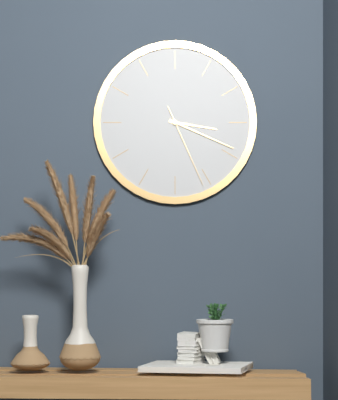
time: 3:19:26
